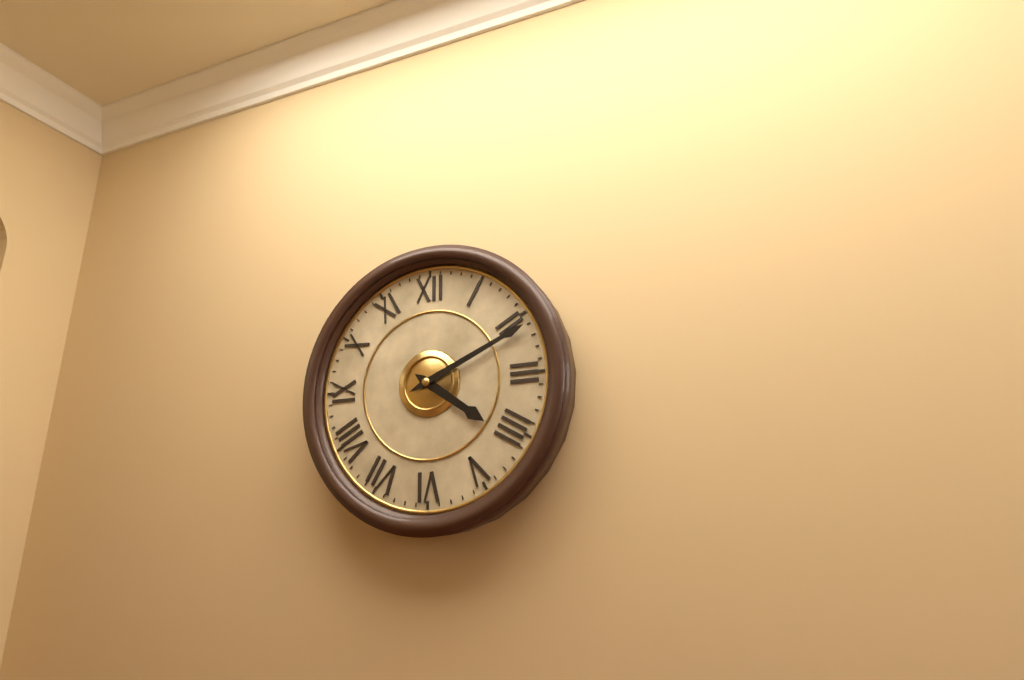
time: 4:11
